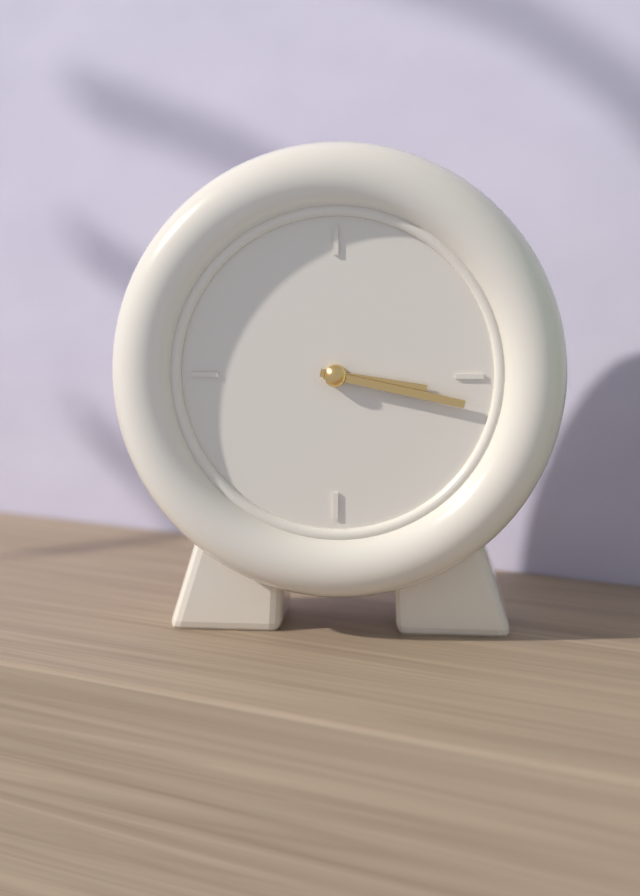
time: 3:17
